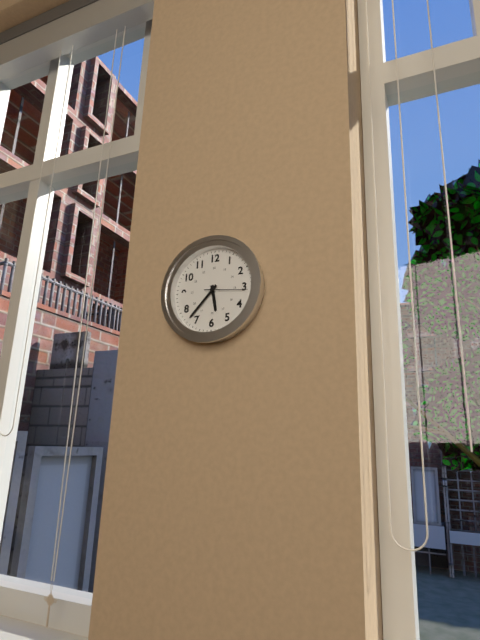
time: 5:37
